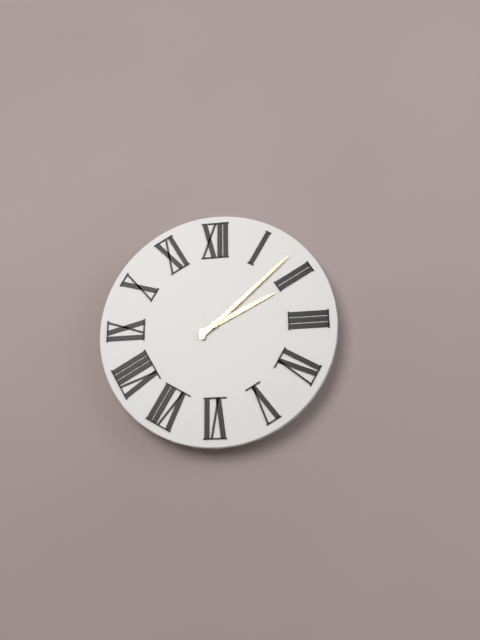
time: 2:08
